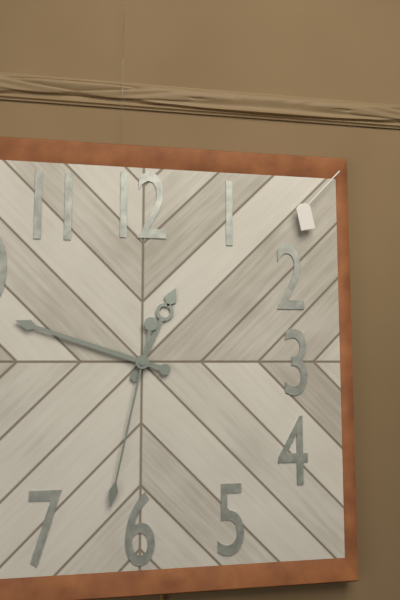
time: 12:48:32
